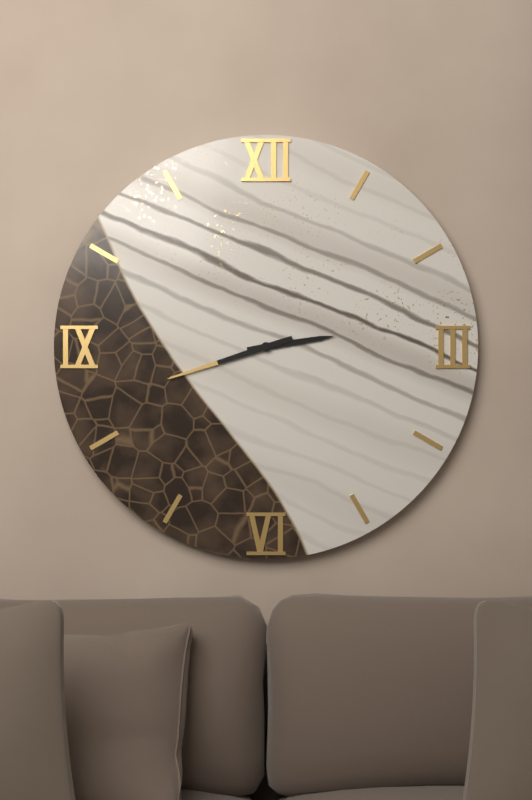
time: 2:42
